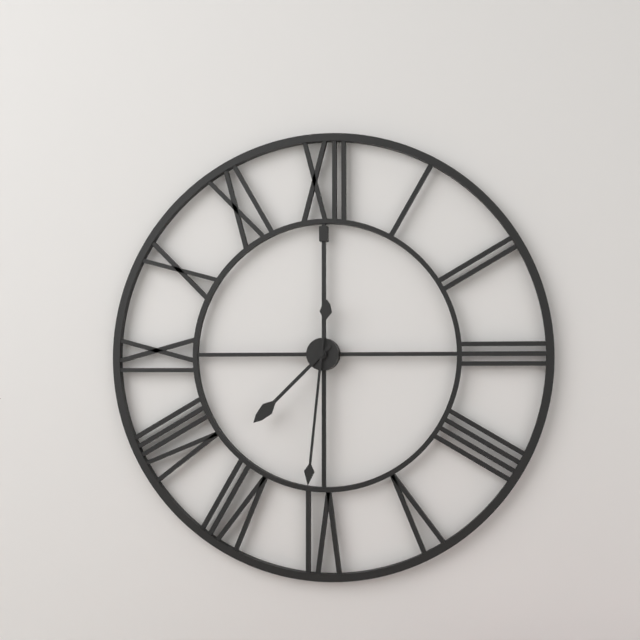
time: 7:31
